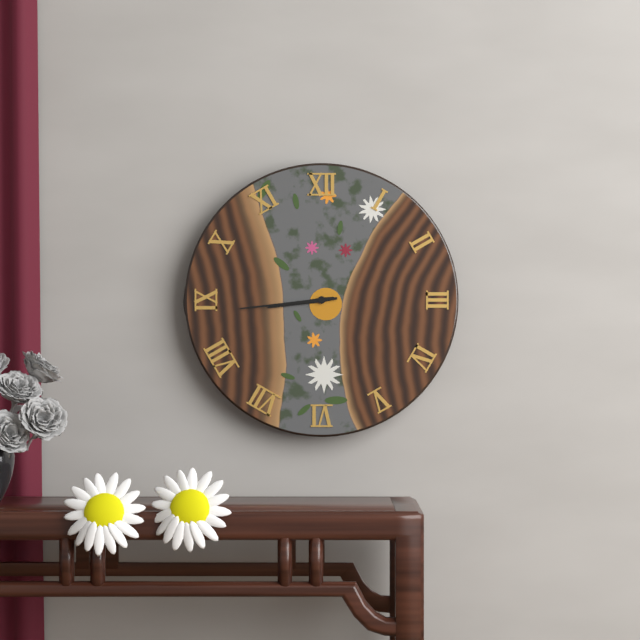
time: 8:44
